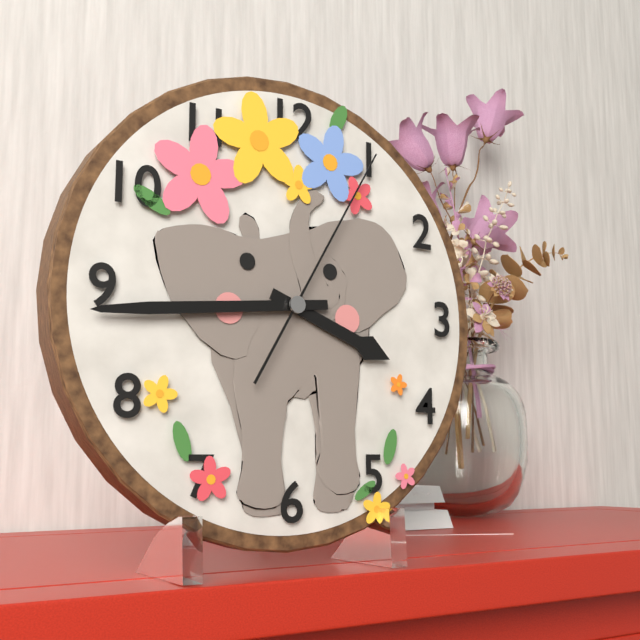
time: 3:44:05
